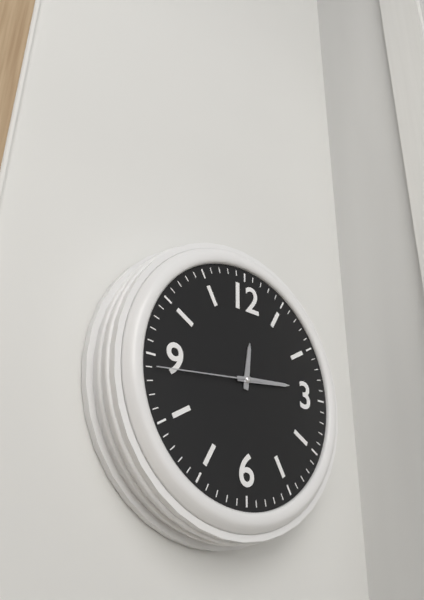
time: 12:14:44
